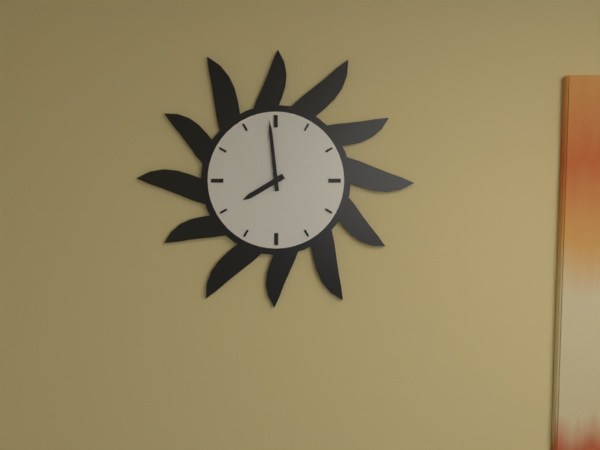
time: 7:59
